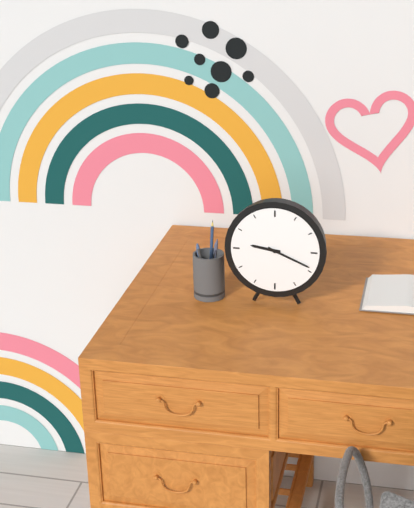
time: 9:19
